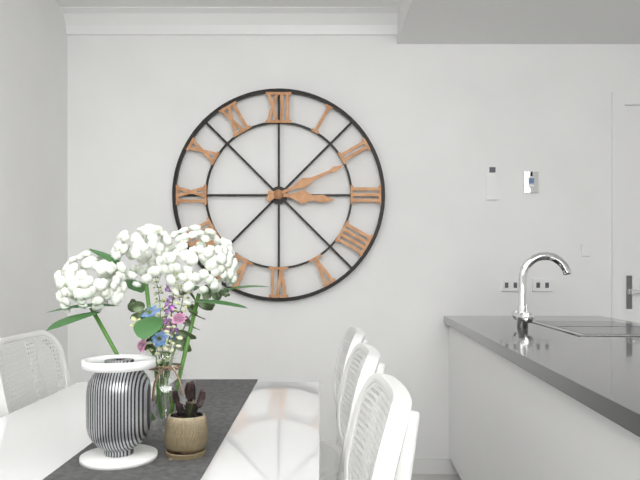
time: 3:11
